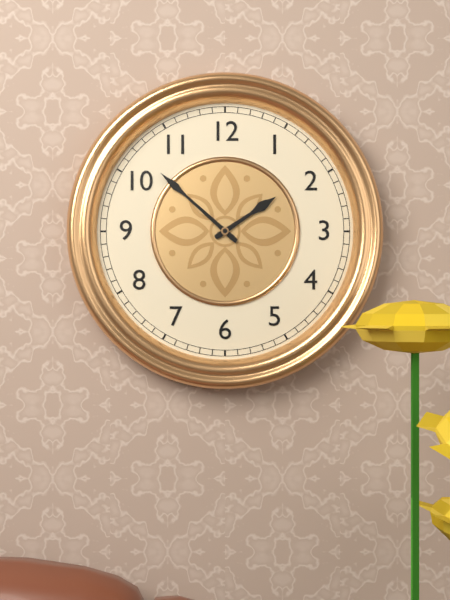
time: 1:52
